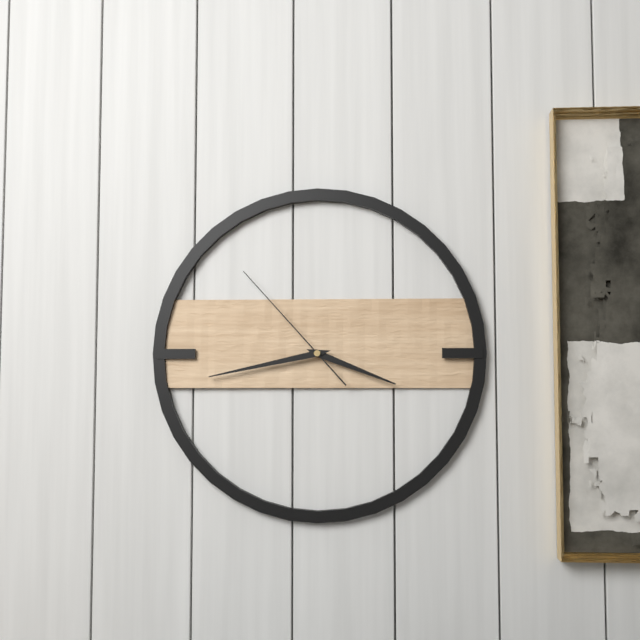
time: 3:43:53
